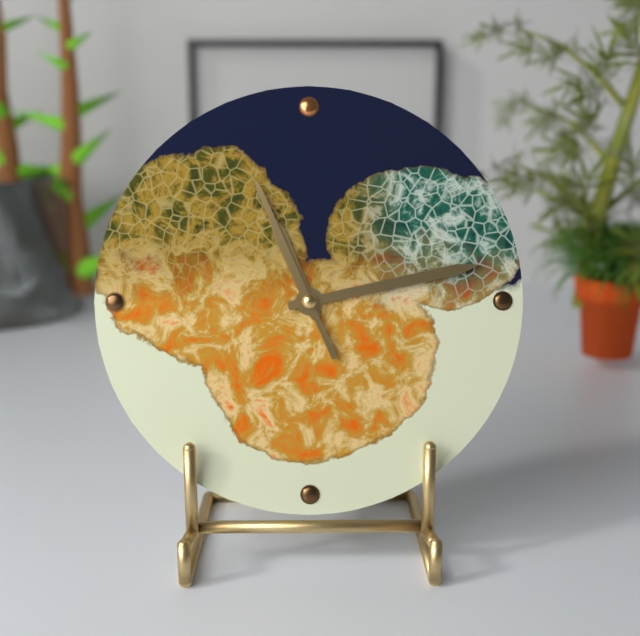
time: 11:13:56
